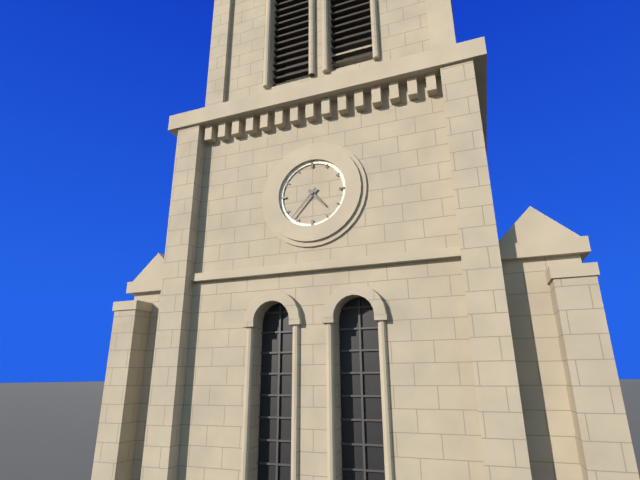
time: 4:37
